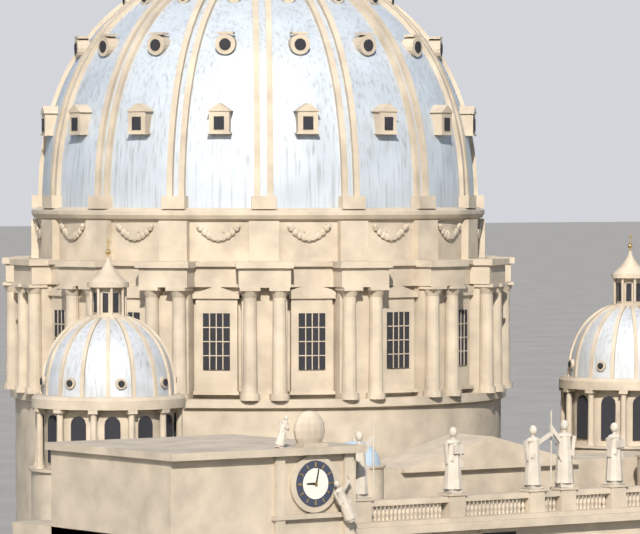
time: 9:02
